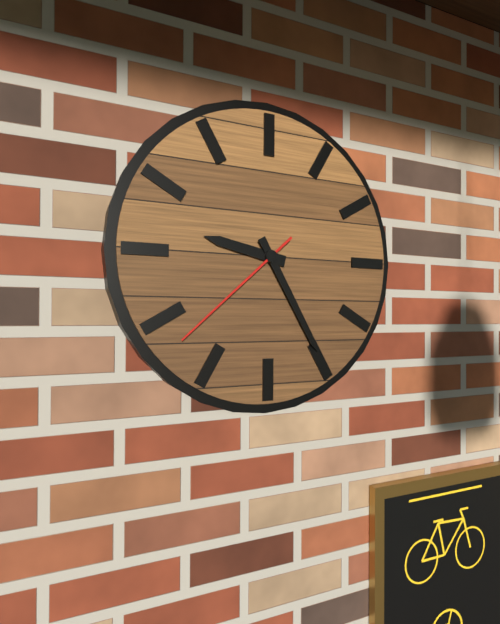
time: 9:25:38
